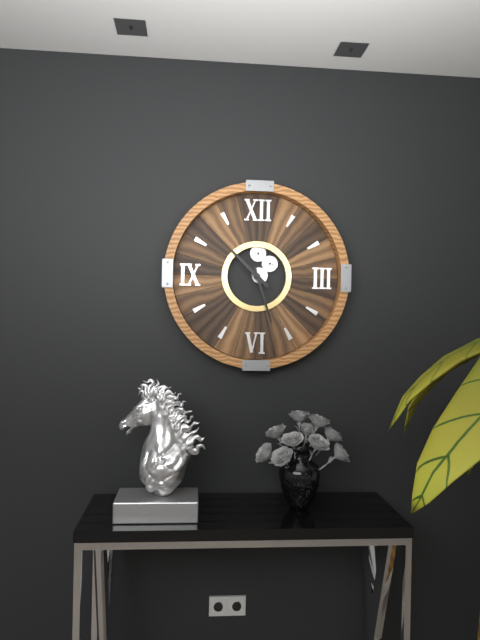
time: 10:27
